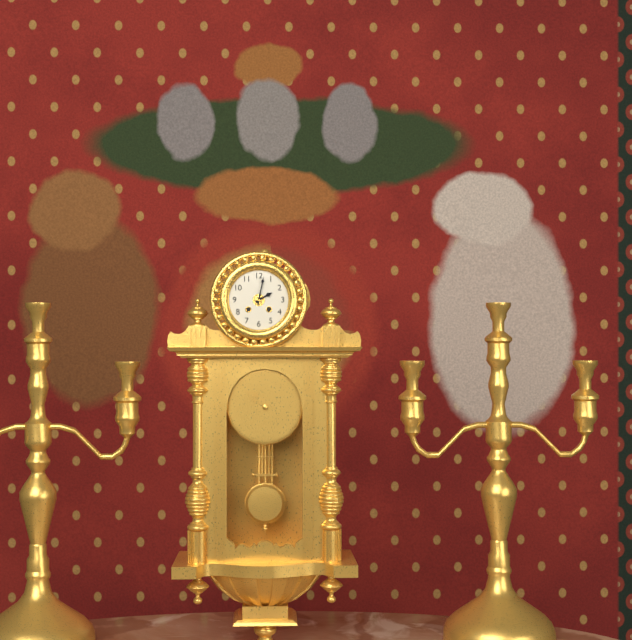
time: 2:02
